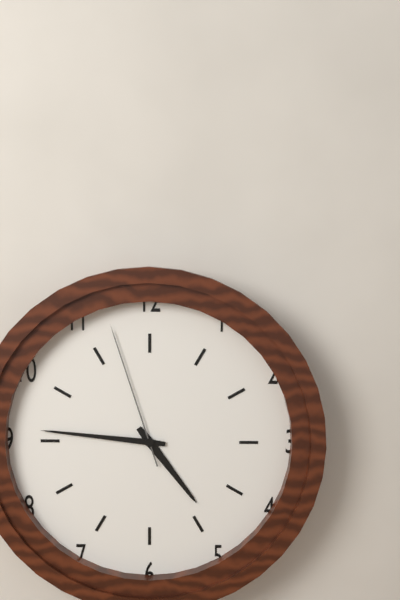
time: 4:46:57
